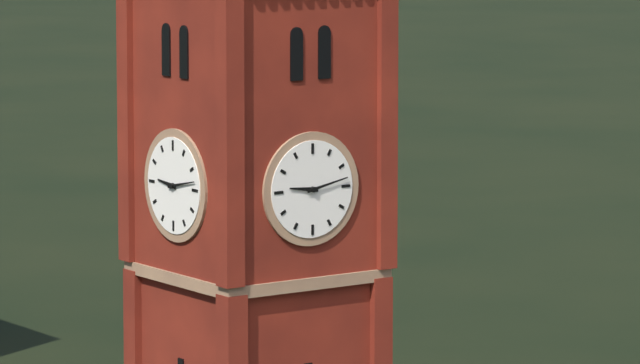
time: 9:13
